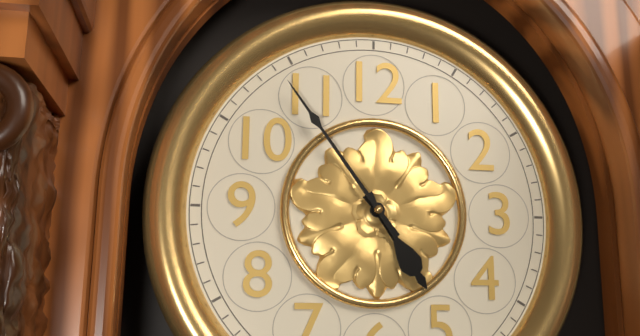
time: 4:54
